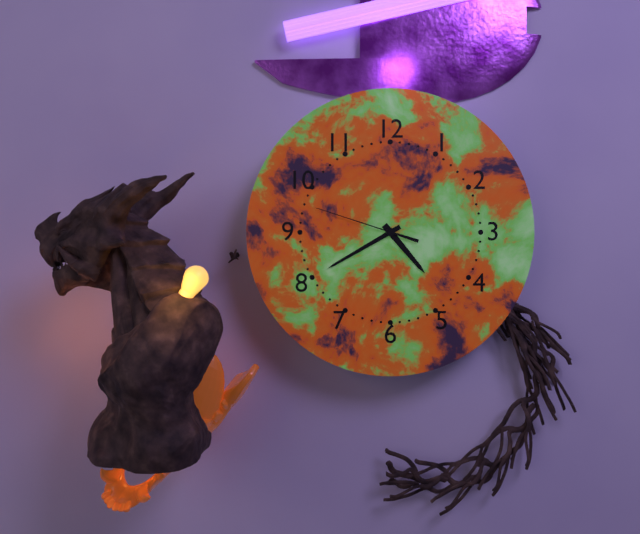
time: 4:40:48
